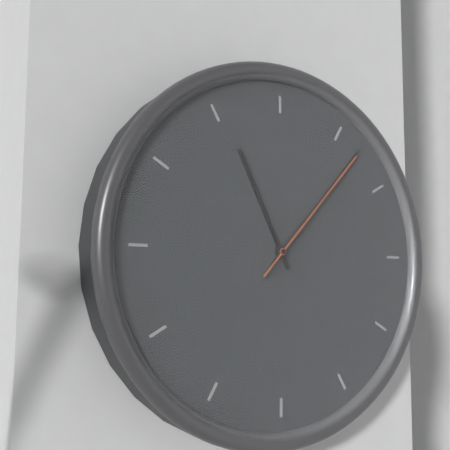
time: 11:07:07
